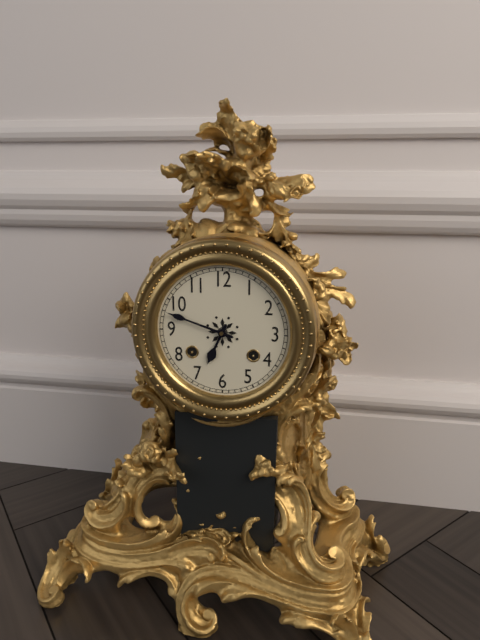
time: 6:48
